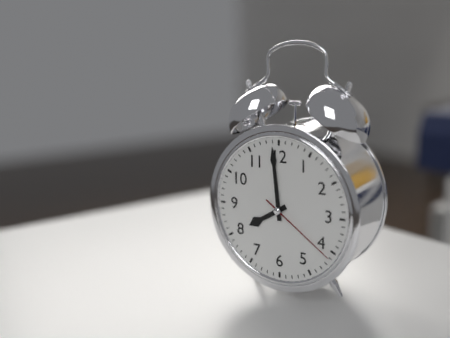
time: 7:59:21
